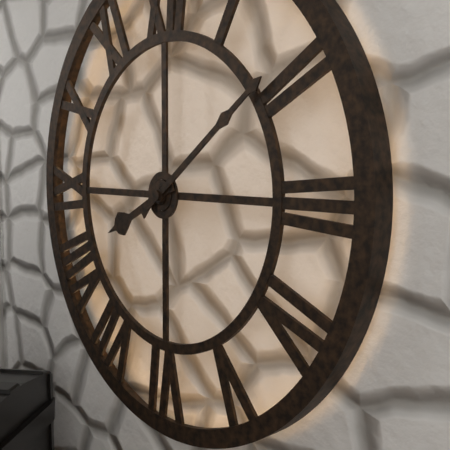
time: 8:09
